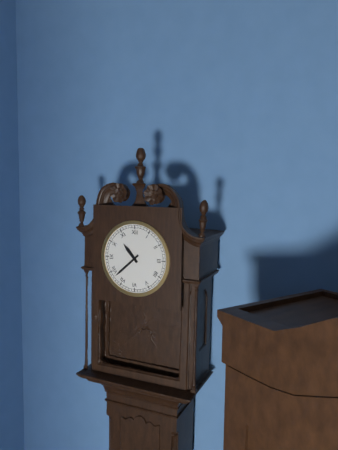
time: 10:38
